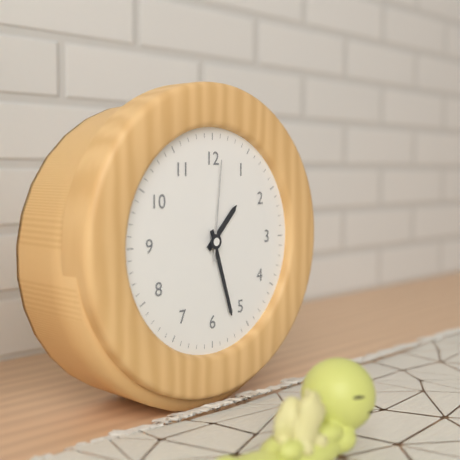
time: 1:27:01
